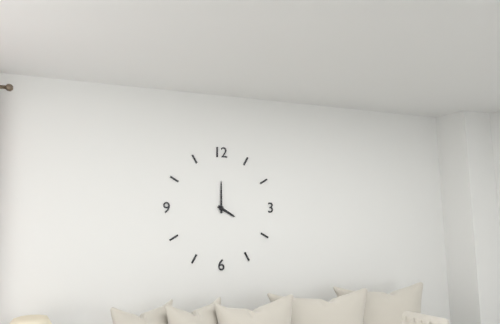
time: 4:00
